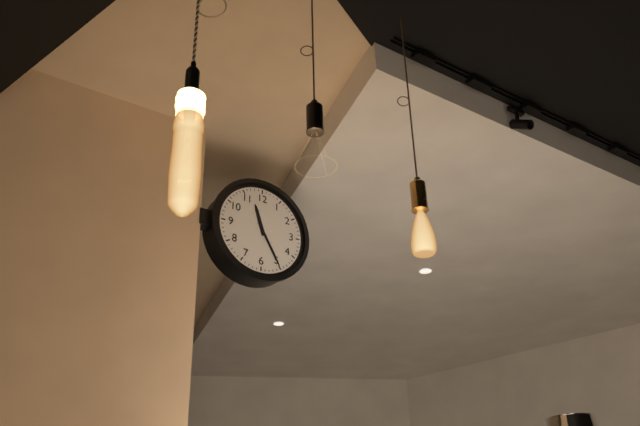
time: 11:25
